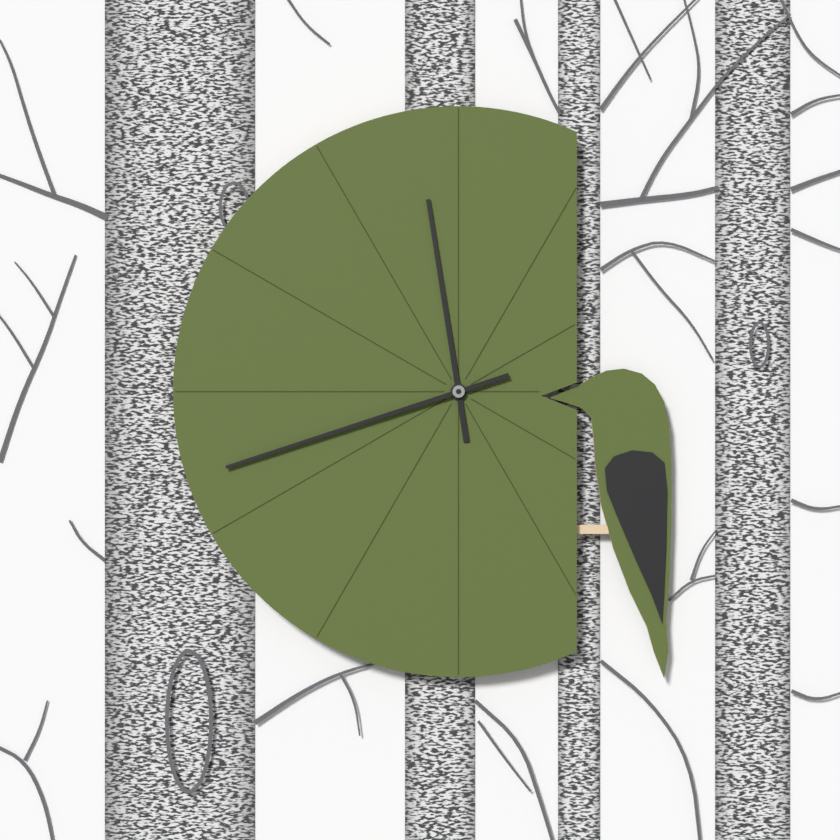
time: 11:42
